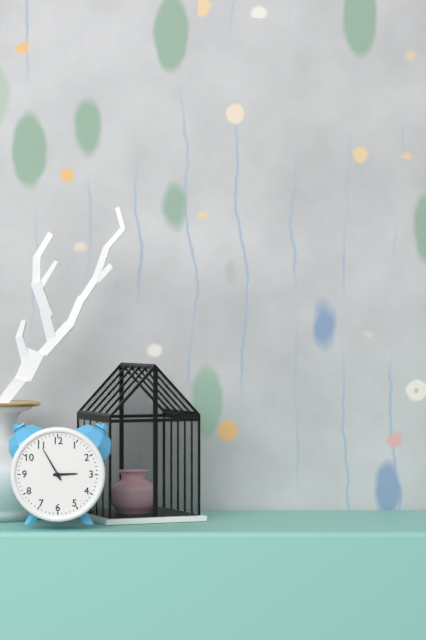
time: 2:55
